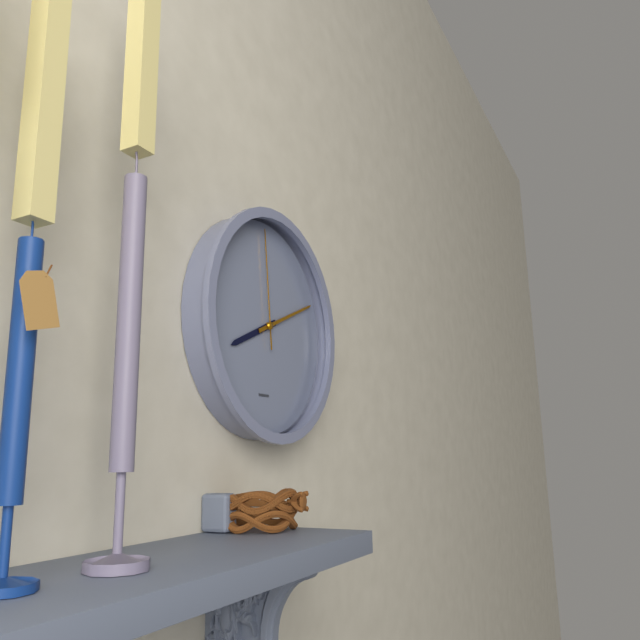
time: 8:11:59
